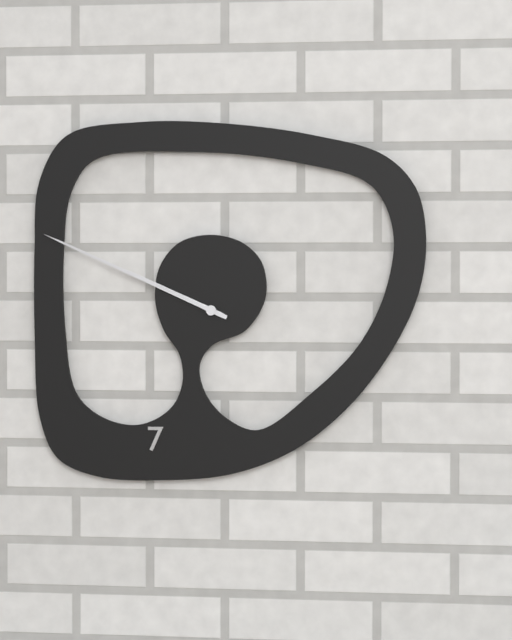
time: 9:49
